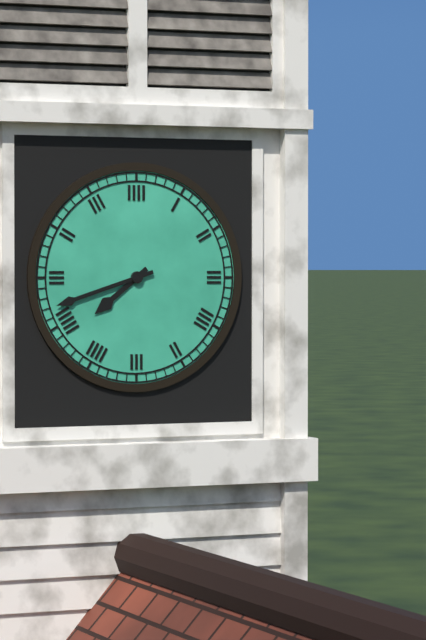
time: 7:42
